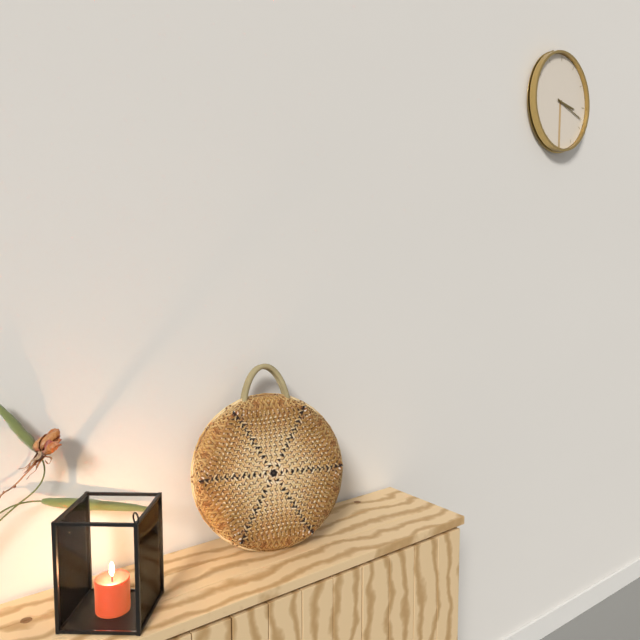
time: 3:18
